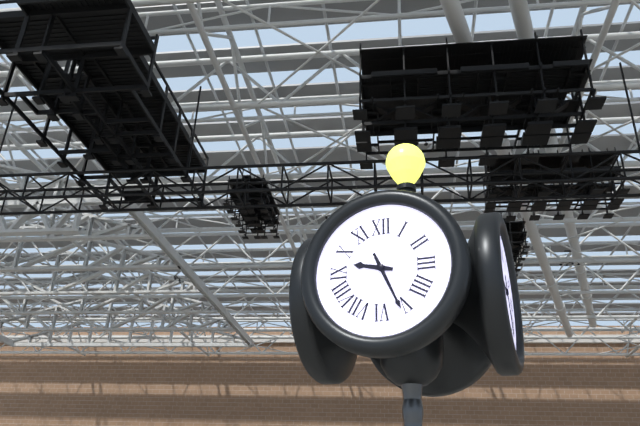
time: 9:26
